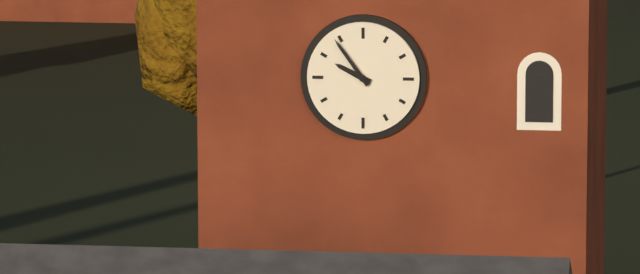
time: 9:54
